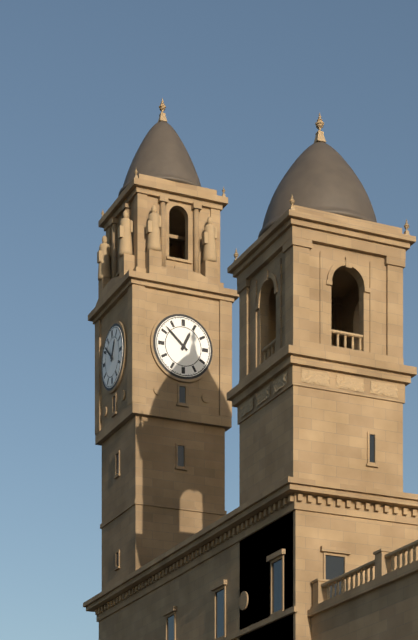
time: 12:52
